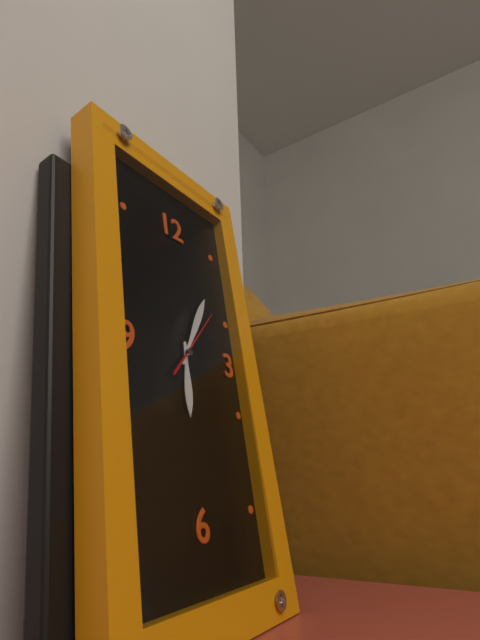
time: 6:05:07
